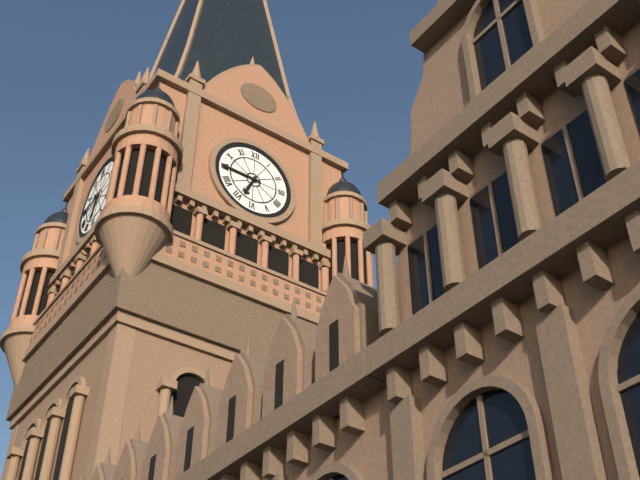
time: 6:45
